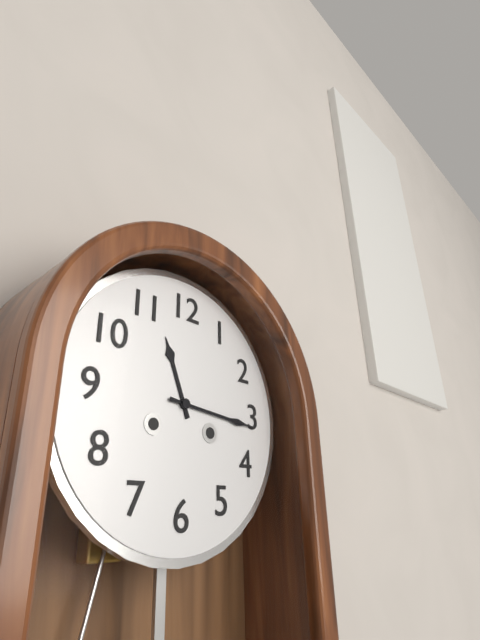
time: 11:16
